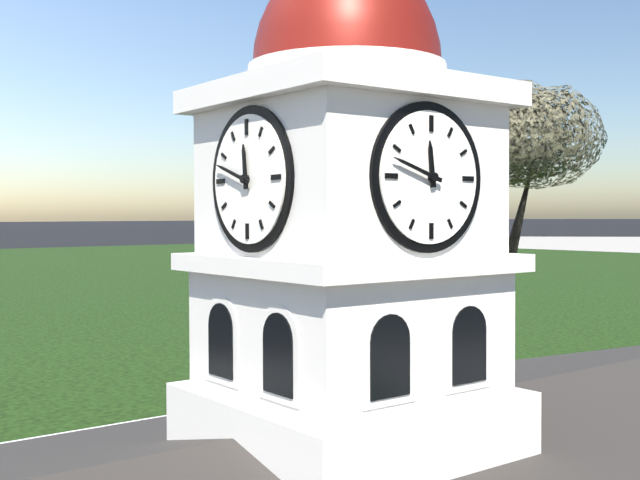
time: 11:48
